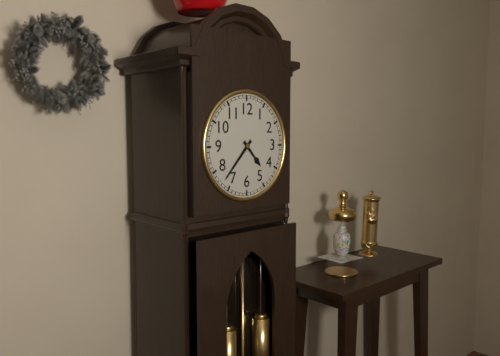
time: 4:37
